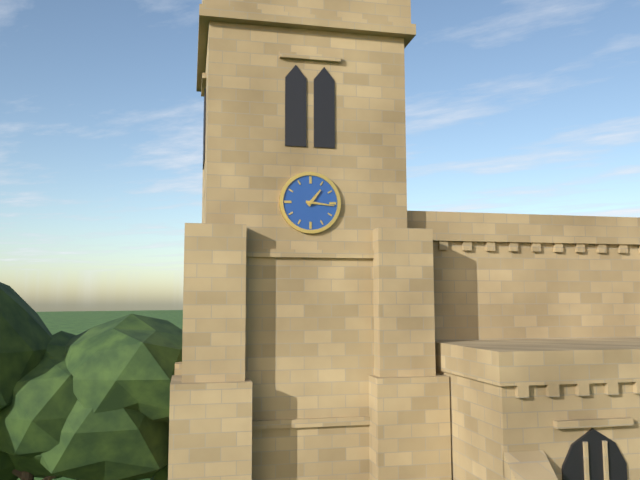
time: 1:16
